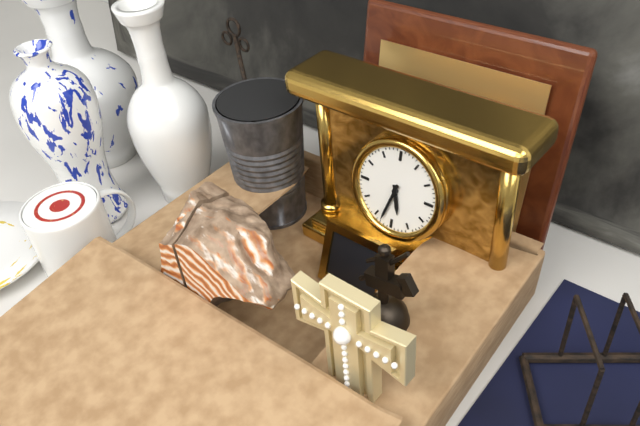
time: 5:33
